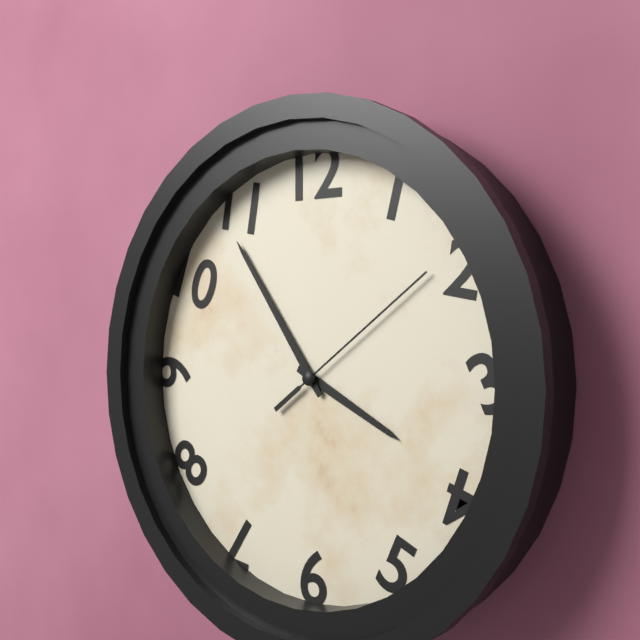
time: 3:54:09
